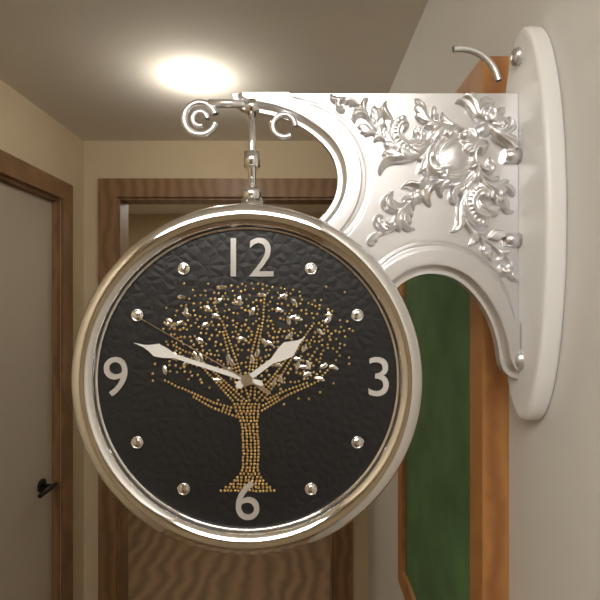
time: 1:48:50
